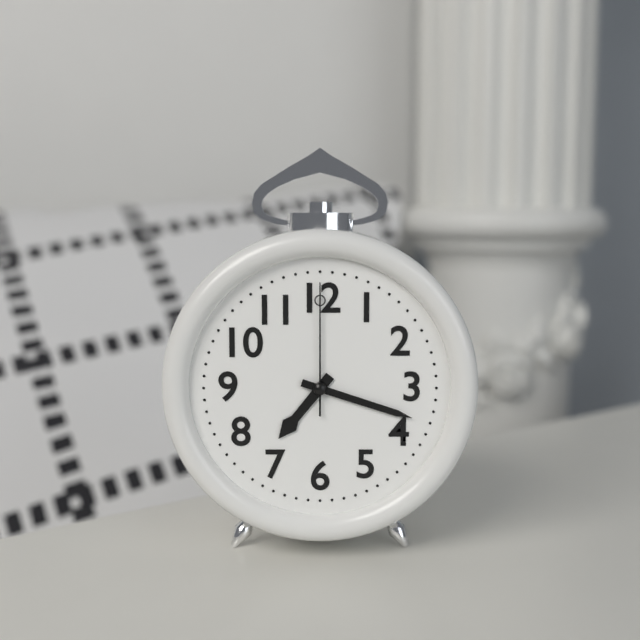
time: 7:18:00
